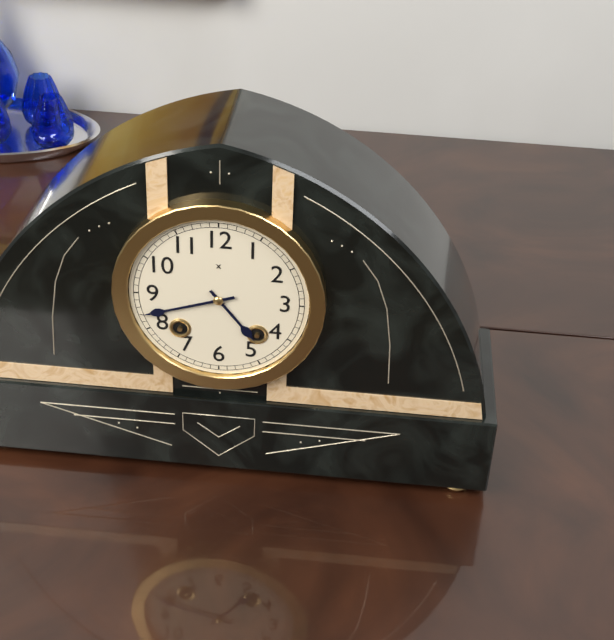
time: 4:42
